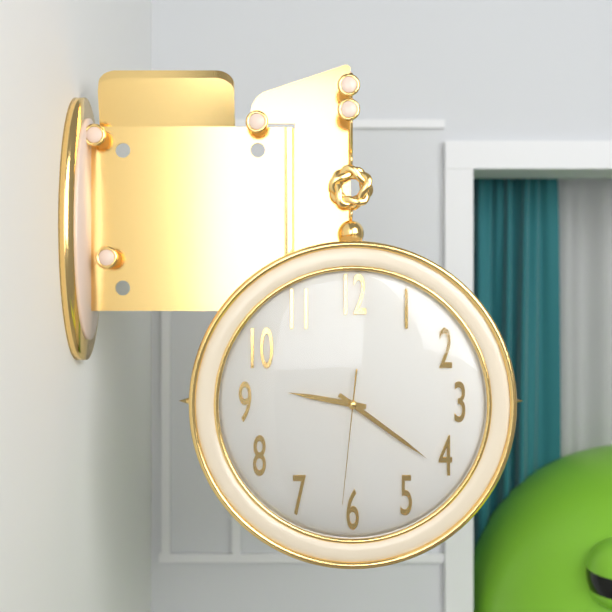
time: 9:21:31
